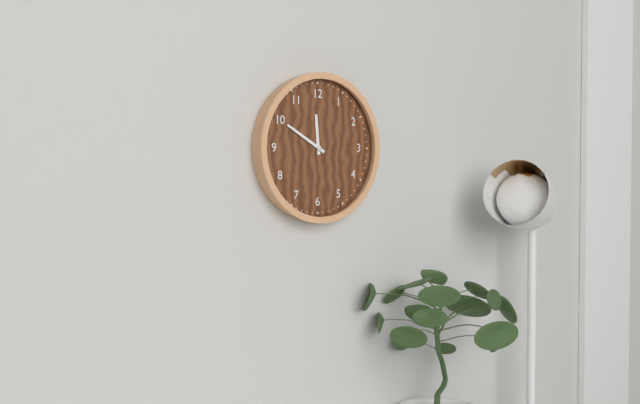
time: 11:50
